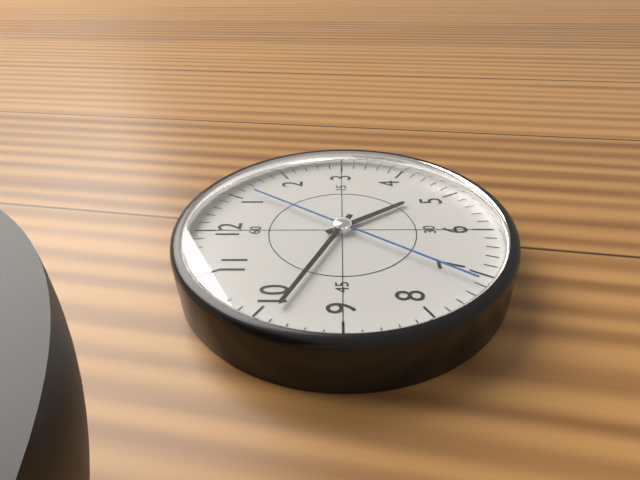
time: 4:49:36
